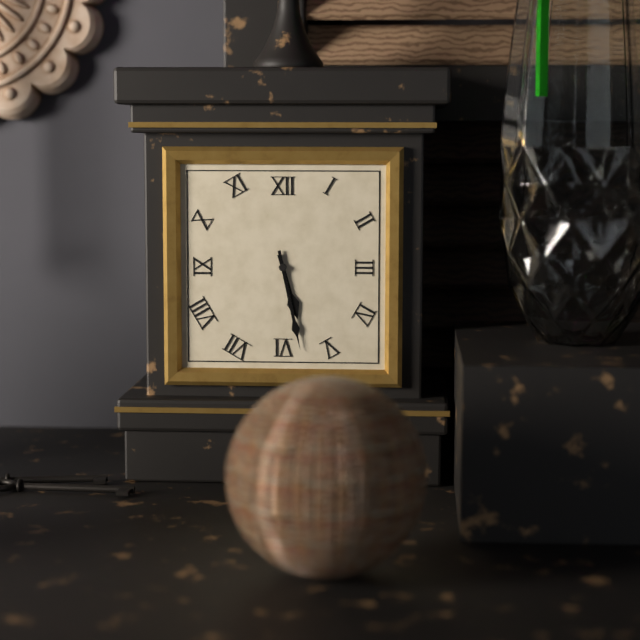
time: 5:28
